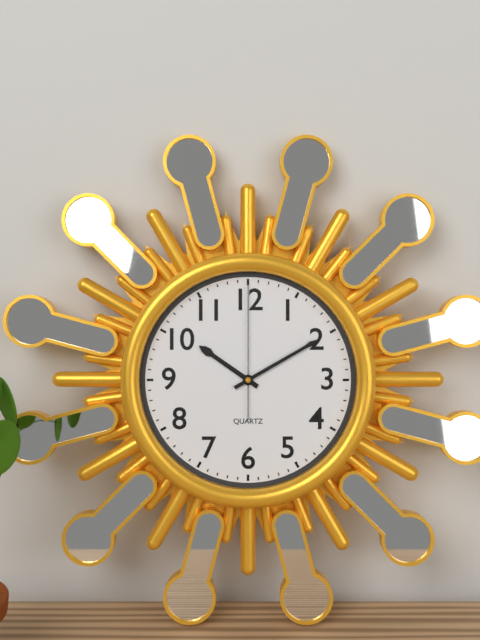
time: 10:10:00
